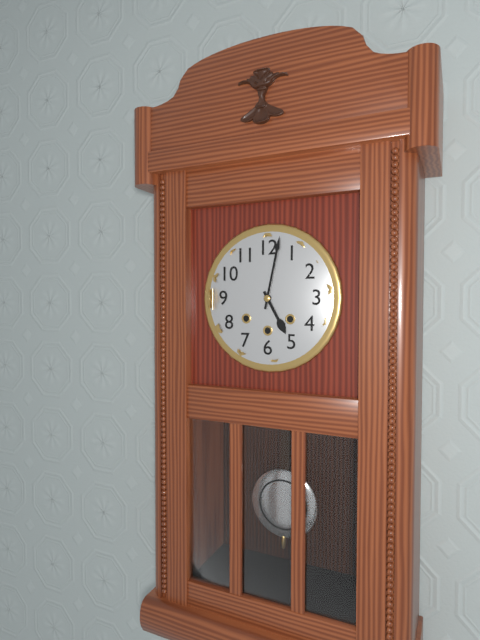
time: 5:02
